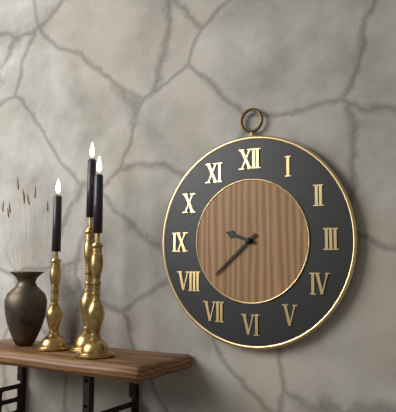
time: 9:38
